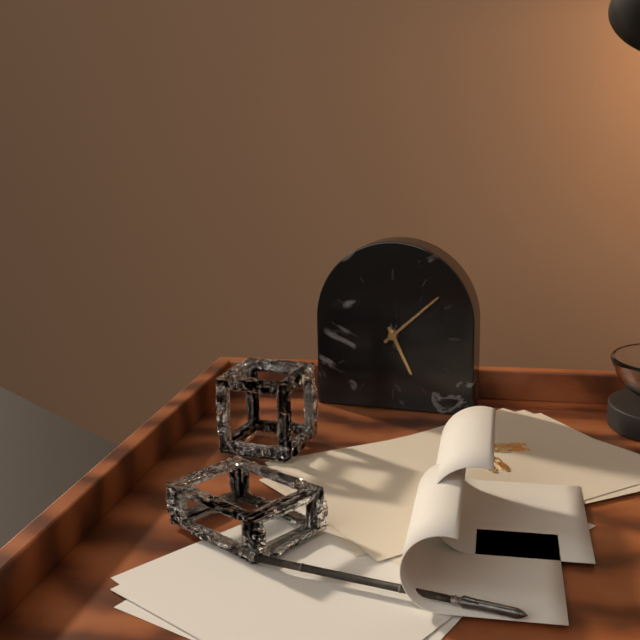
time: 5:08
